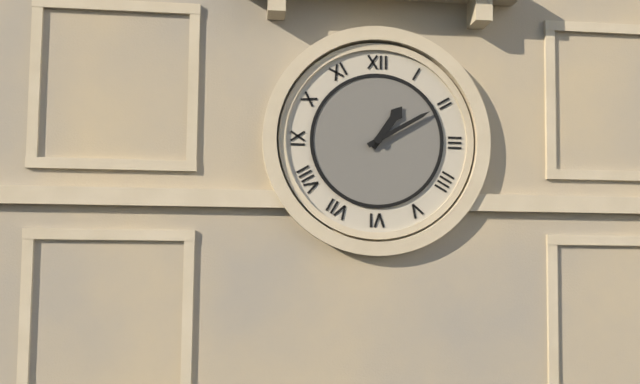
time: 1:10
